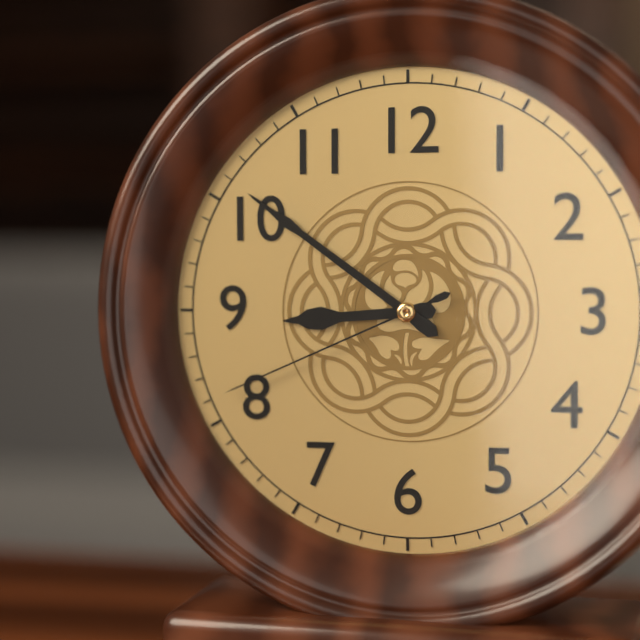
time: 8:51:41
